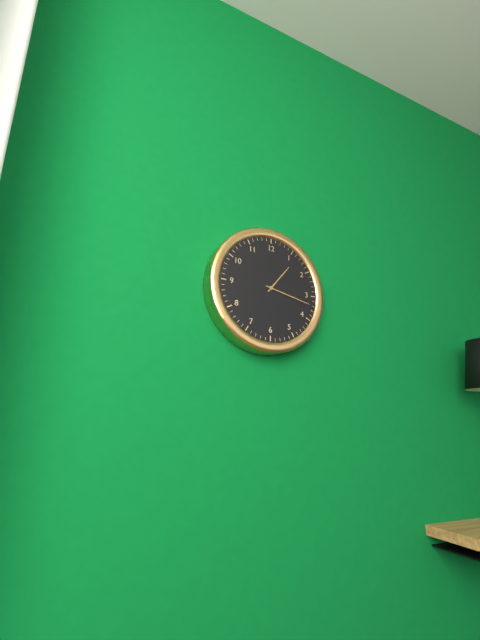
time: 1:17
